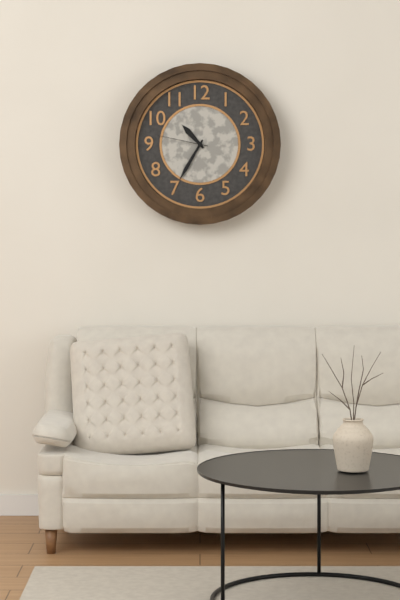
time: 10:35:47
